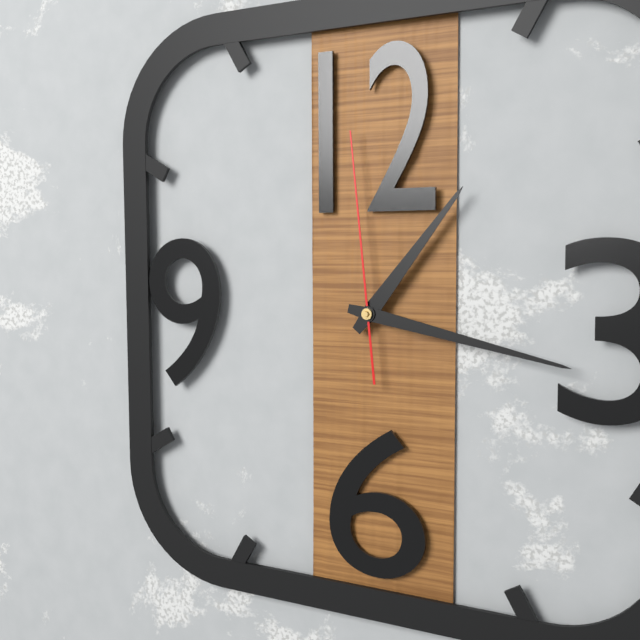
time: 1:17:59
